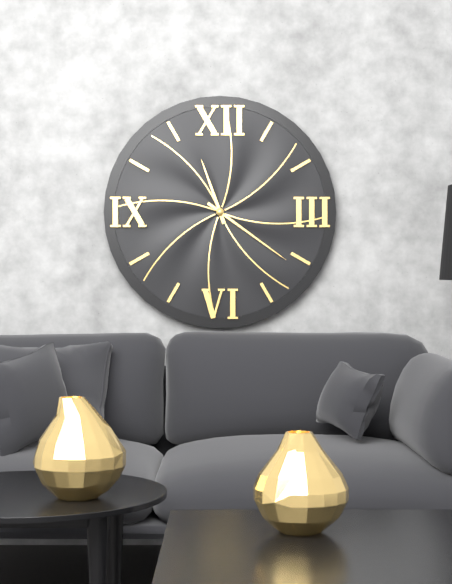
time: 11:21
